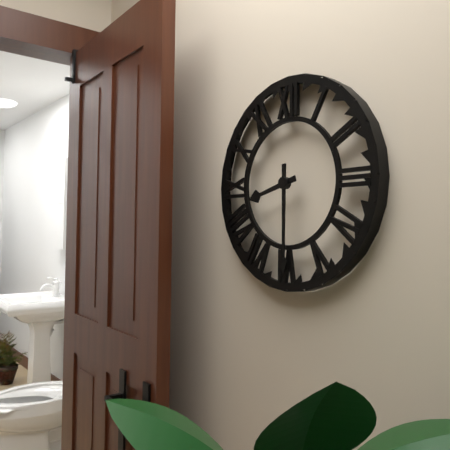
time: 8:30
